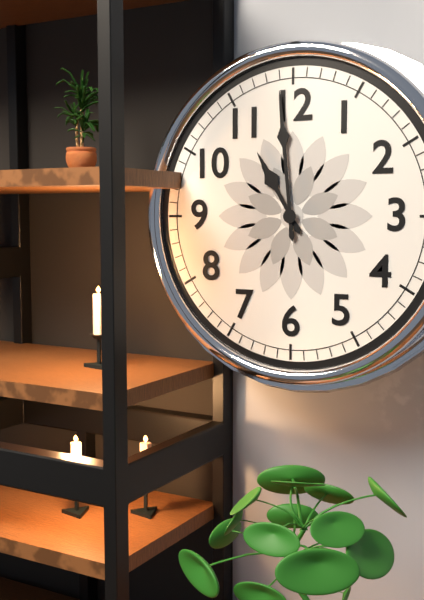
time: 10:59
